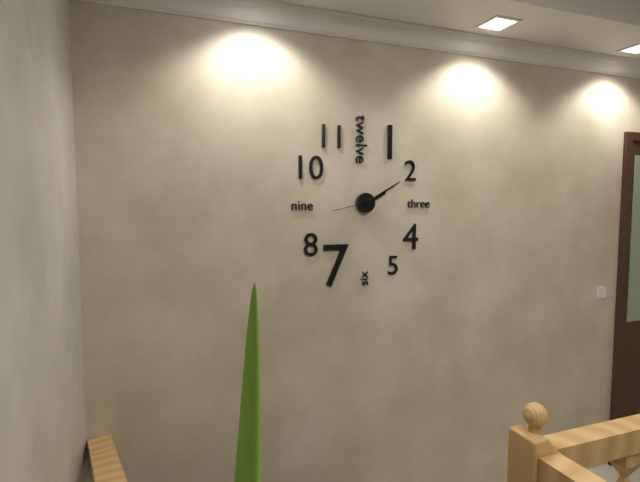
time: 2:10
